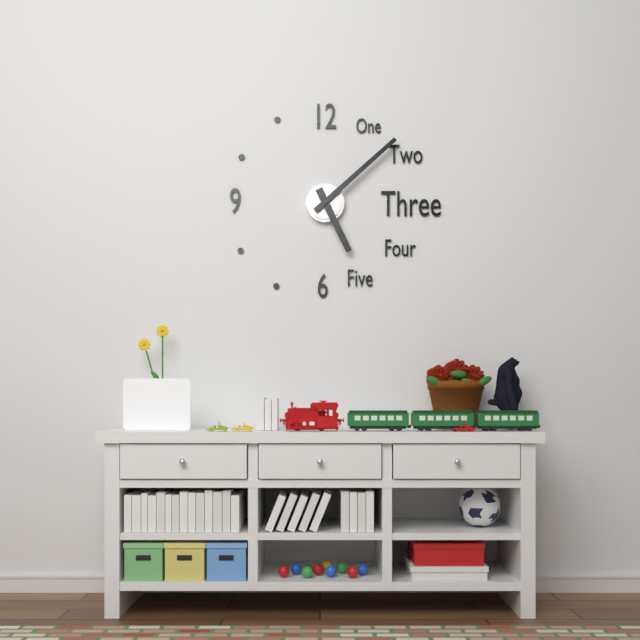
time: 5:08
